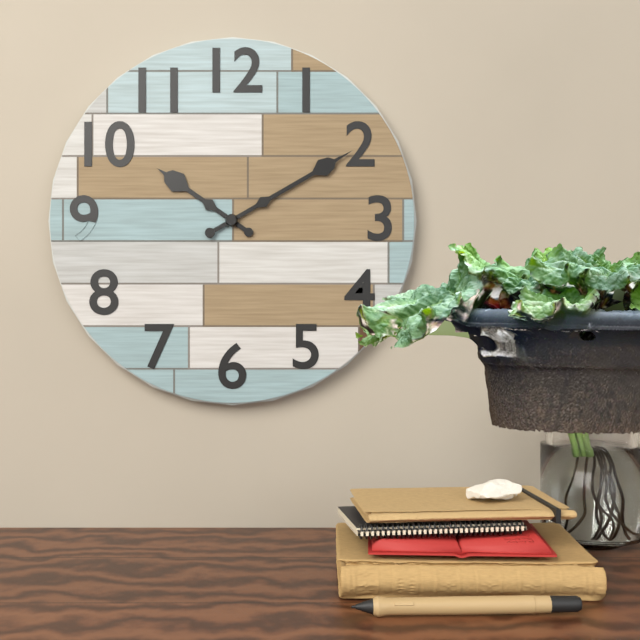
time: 10:10
